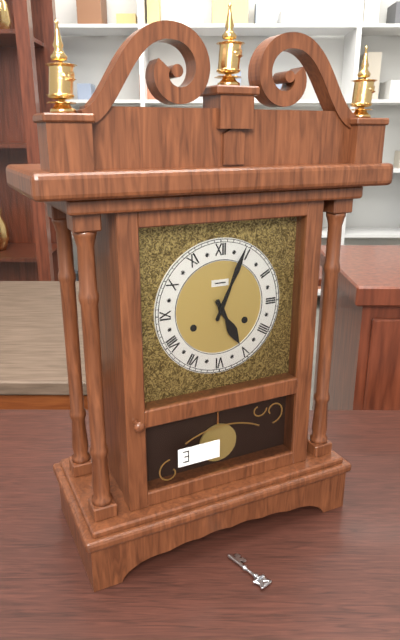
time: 5:04
